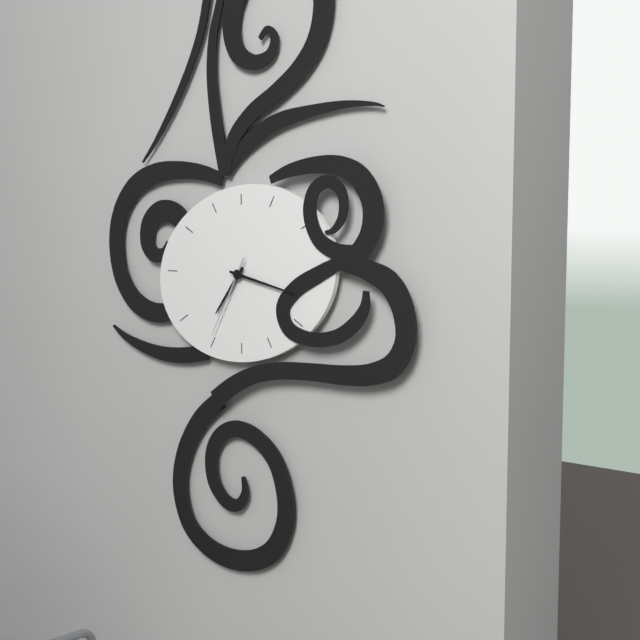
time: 7:17:35
